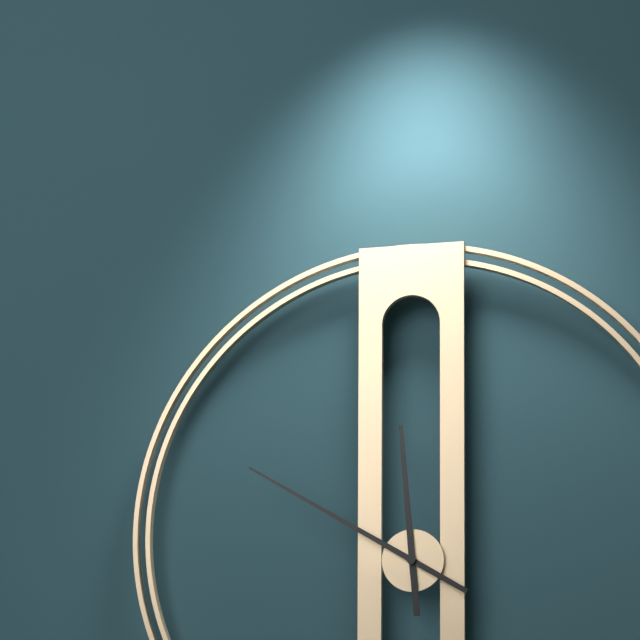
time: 11:50
